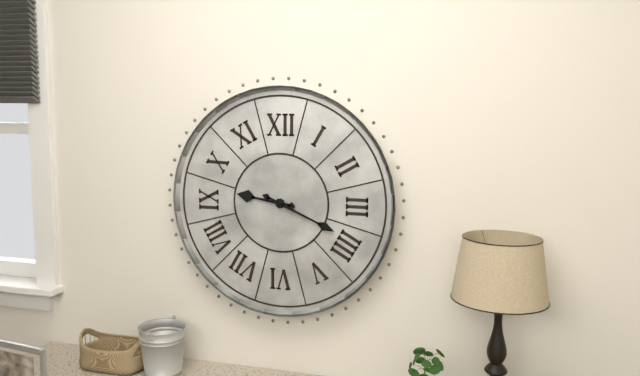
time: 9:19
